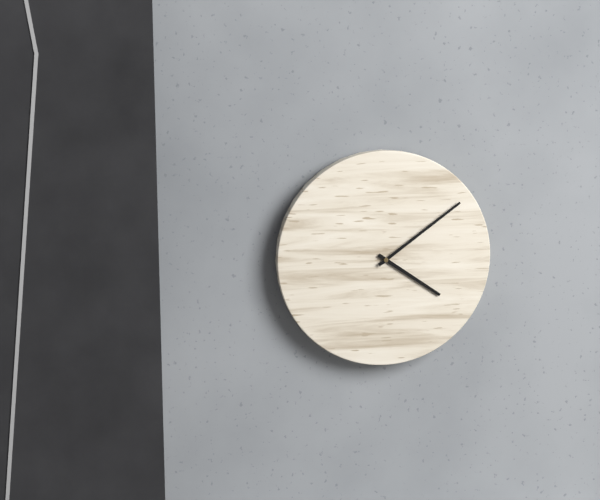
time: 4:09
